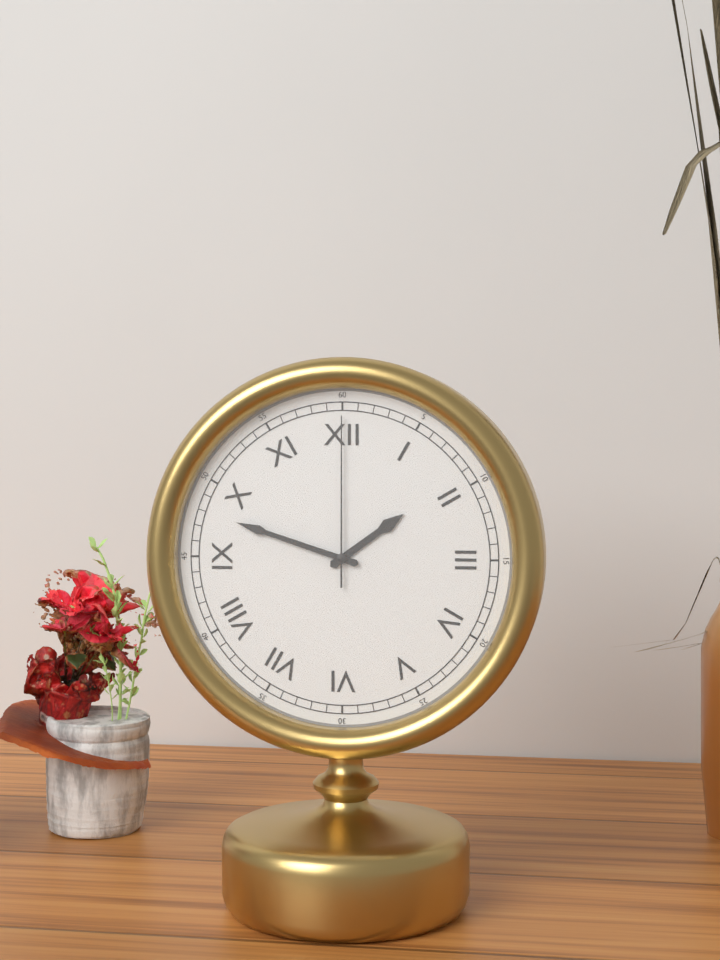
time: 1:48:00
